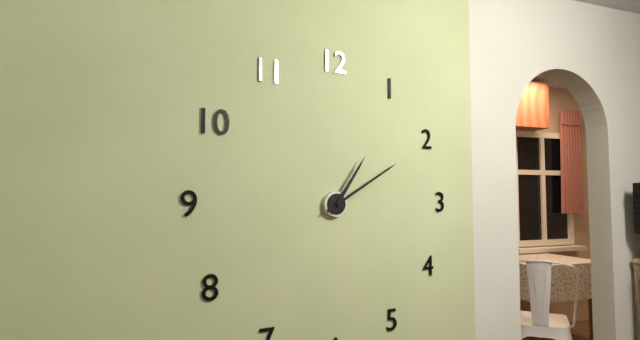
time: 1:10
